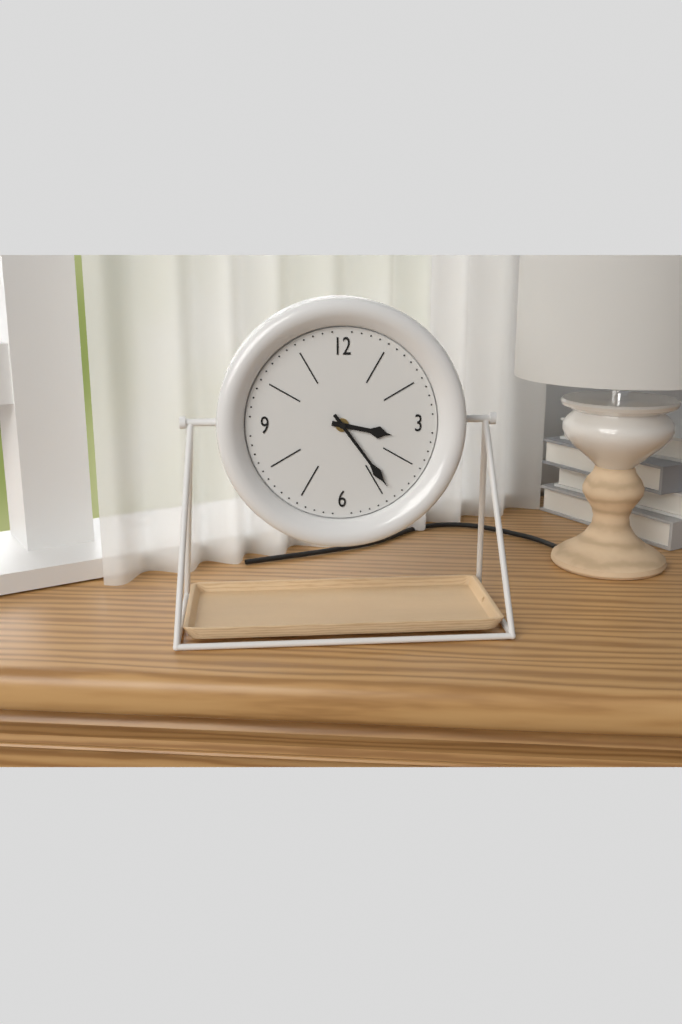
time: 3:24
